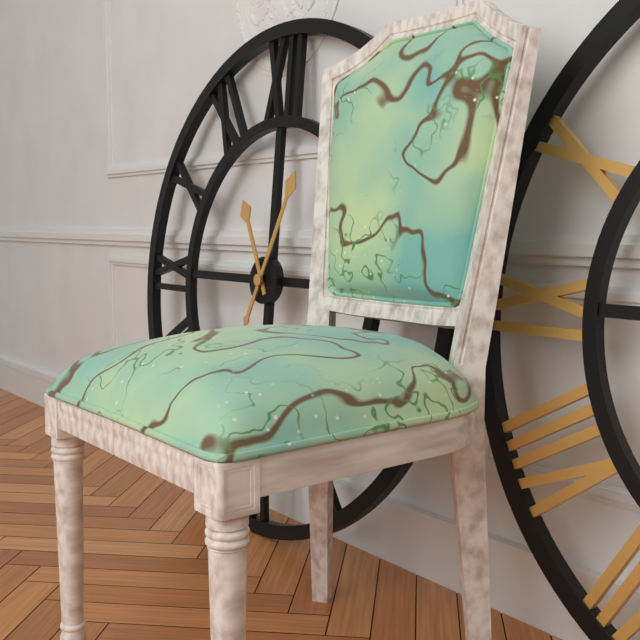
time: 11:04
